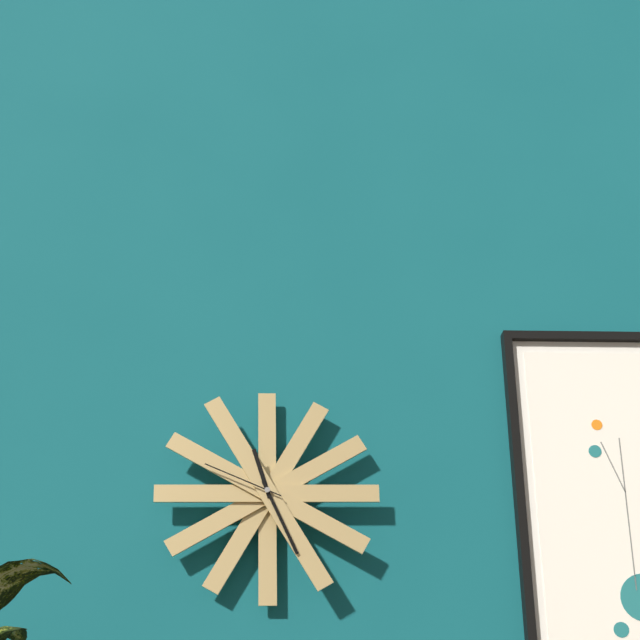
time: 11:26:49
